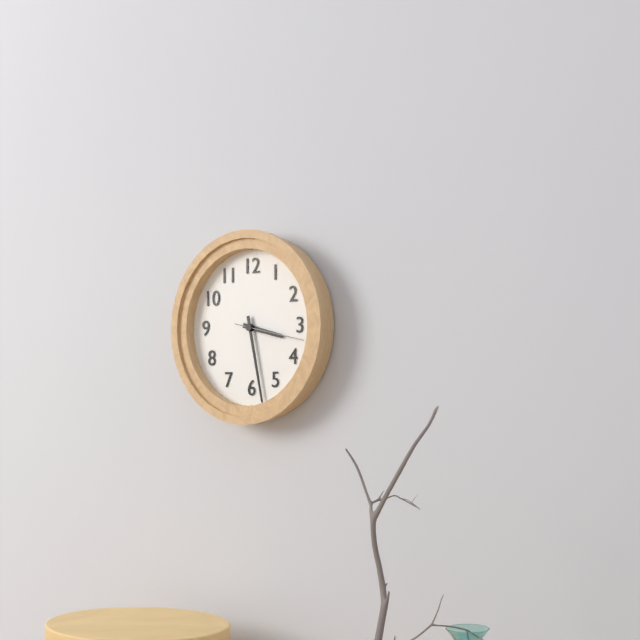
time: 3:28:17
